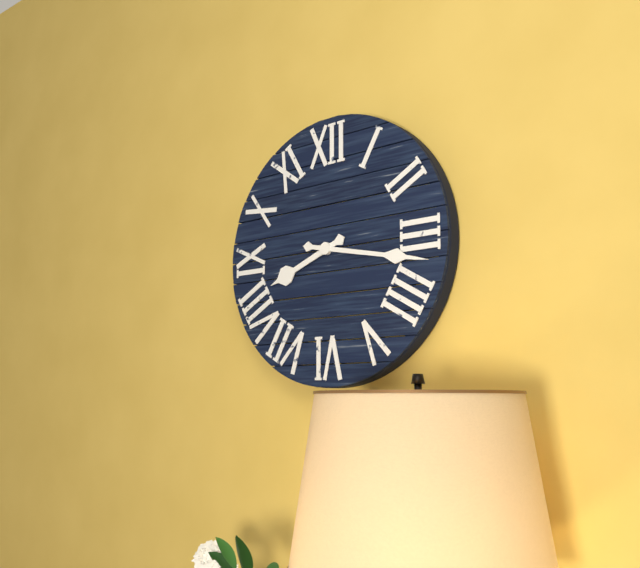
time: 8:17
